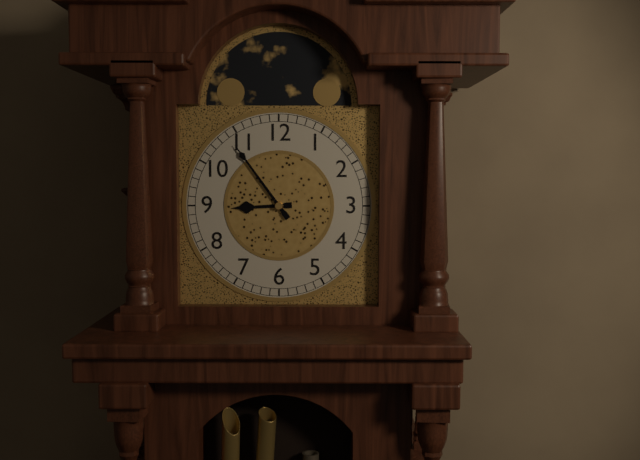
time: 8:54
